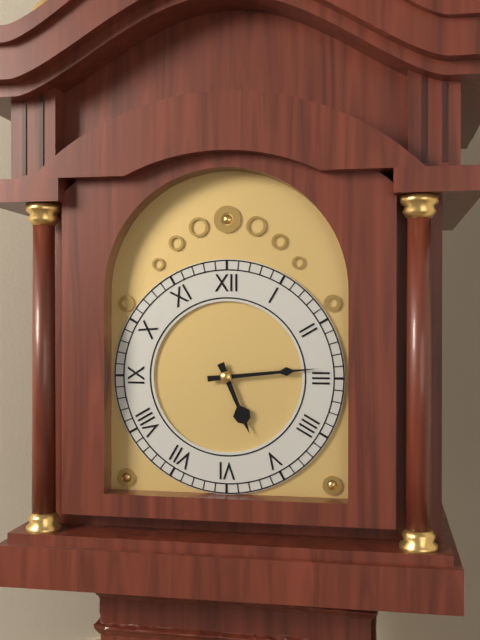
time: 5:14
